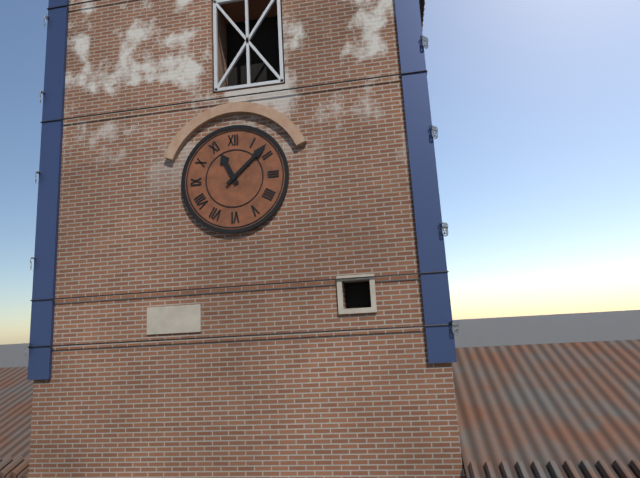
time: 11:08
